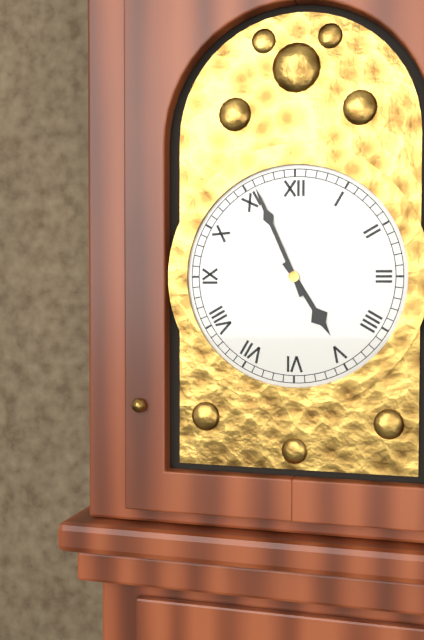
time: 4:56
